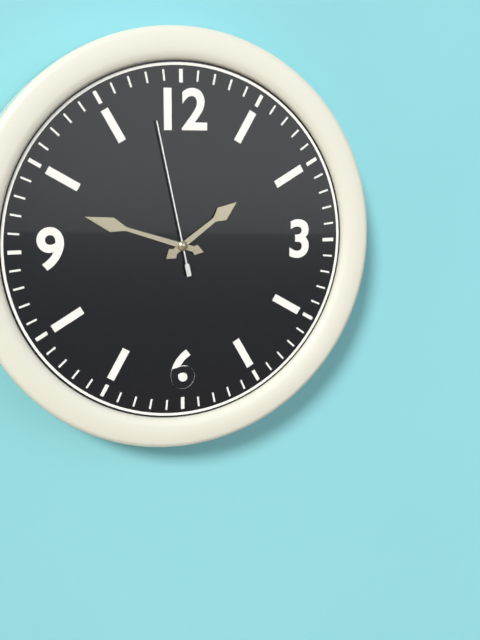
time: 1:48:58
